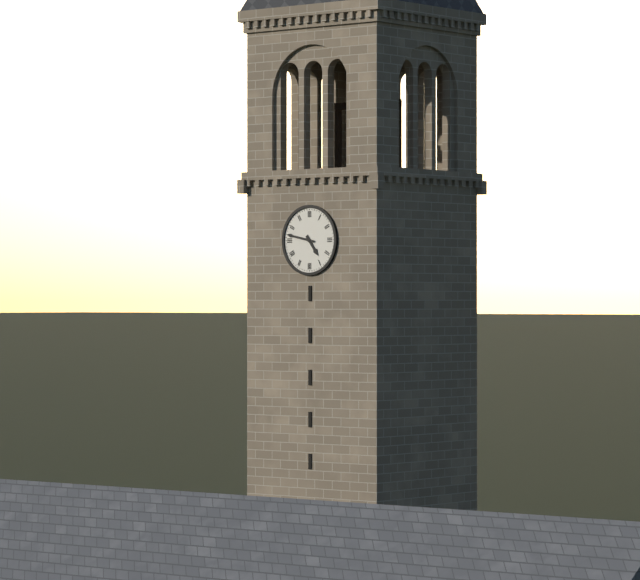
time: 4:47
